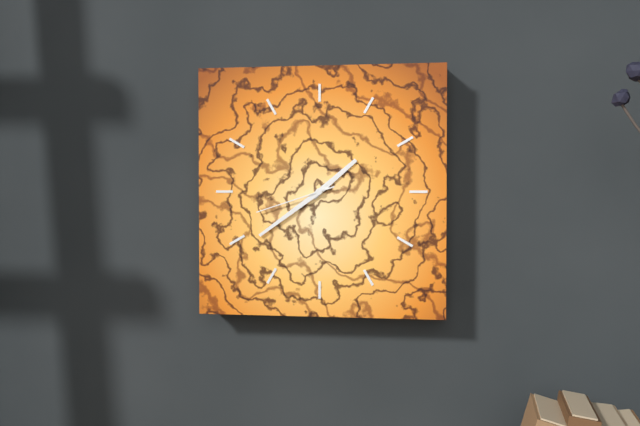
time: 1:39:42
